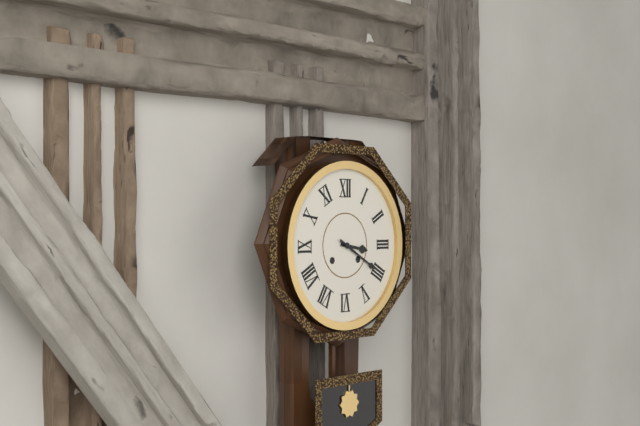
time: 3:20
